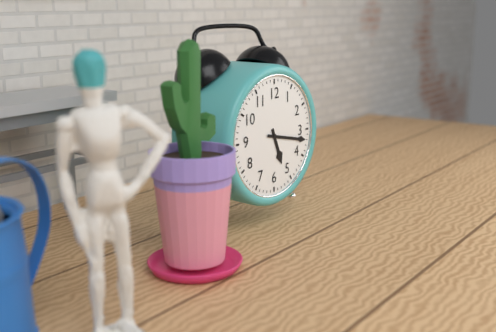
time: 5:17
